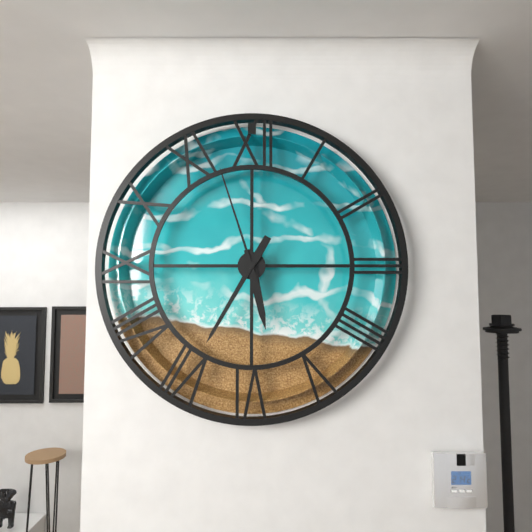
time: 5:35:57
